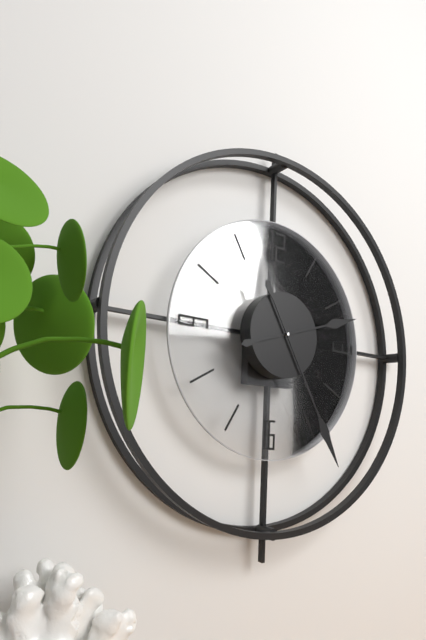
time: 2:25
